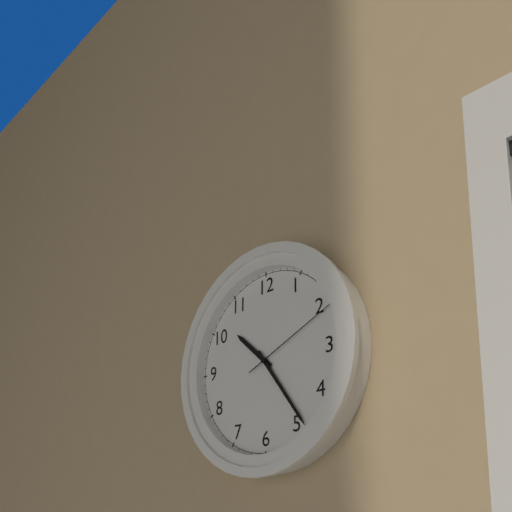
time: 10:24:11
